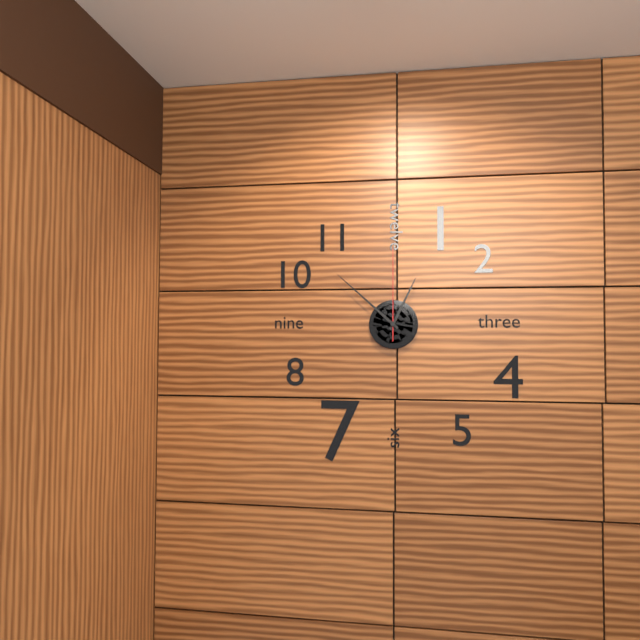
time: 12:52:00
